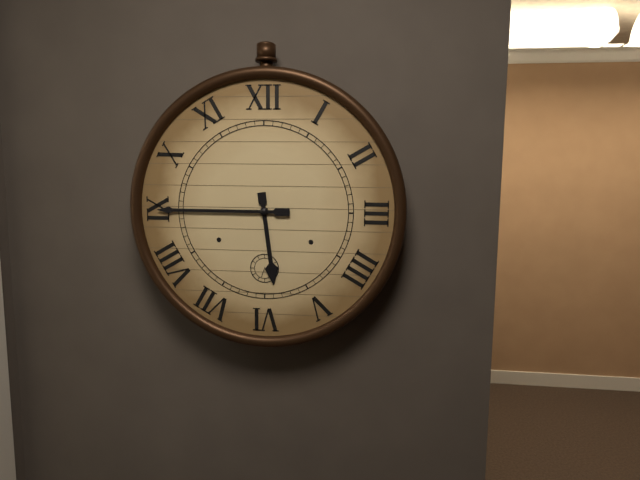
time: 5:45
